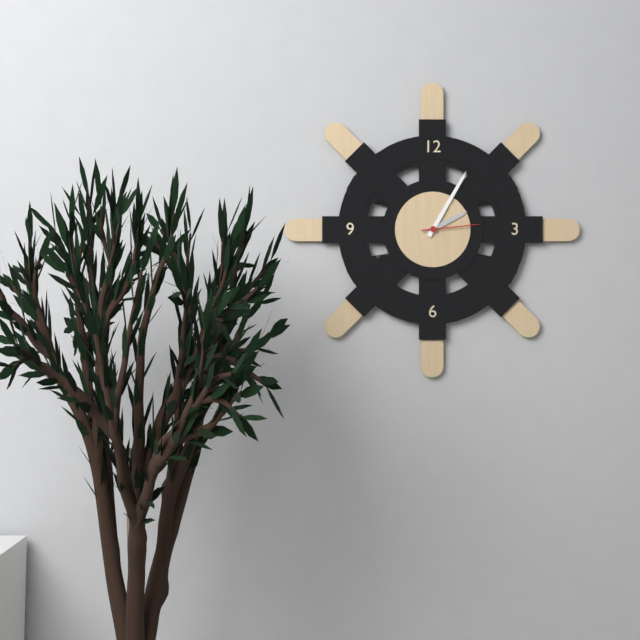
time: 2:05:14
